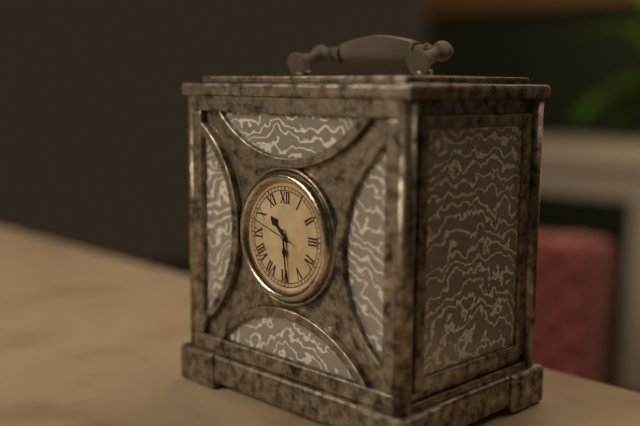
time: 10:29
